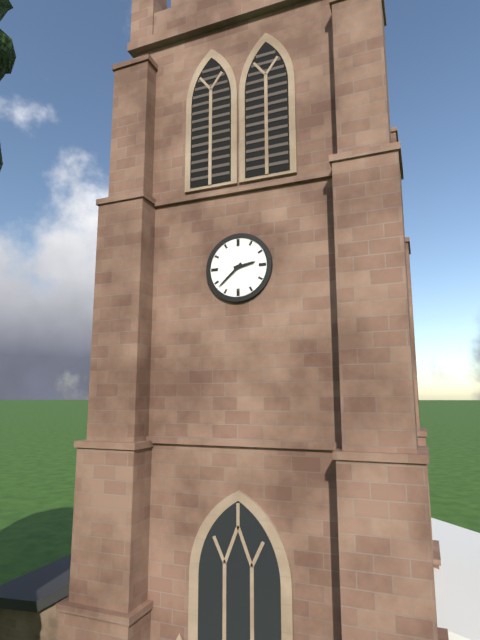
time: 2:38
